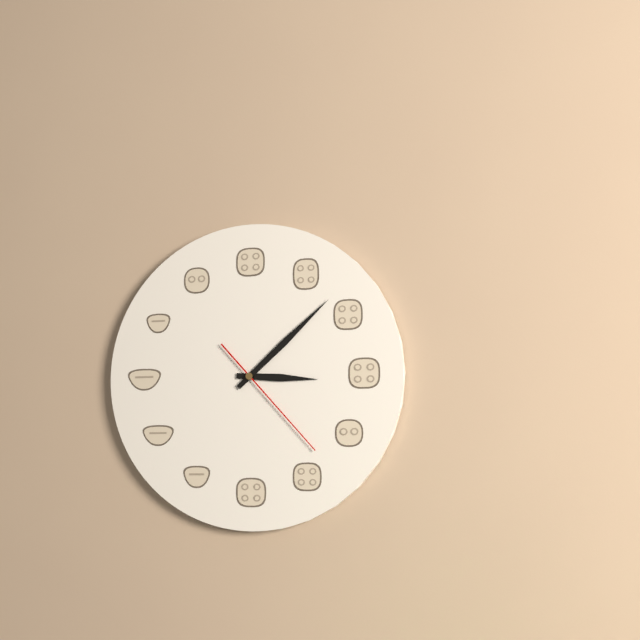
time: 3:08:23
